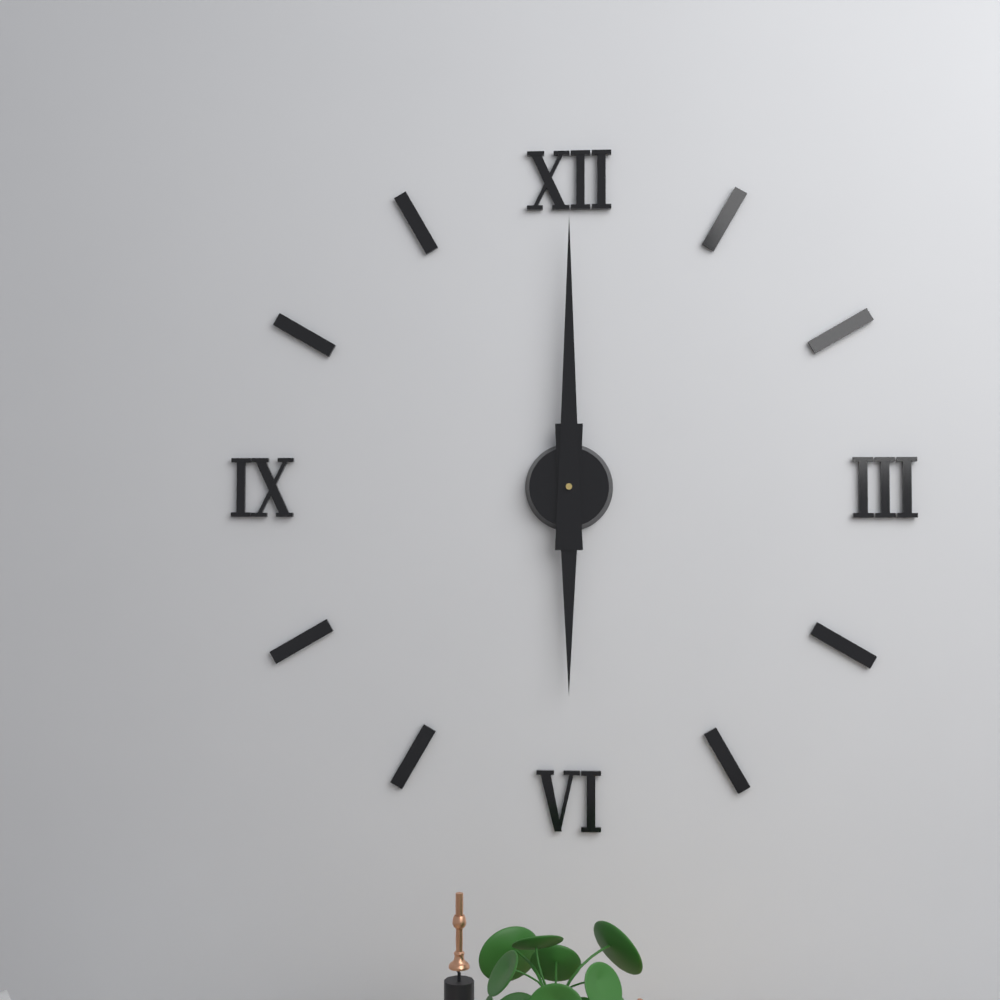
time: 6:00
